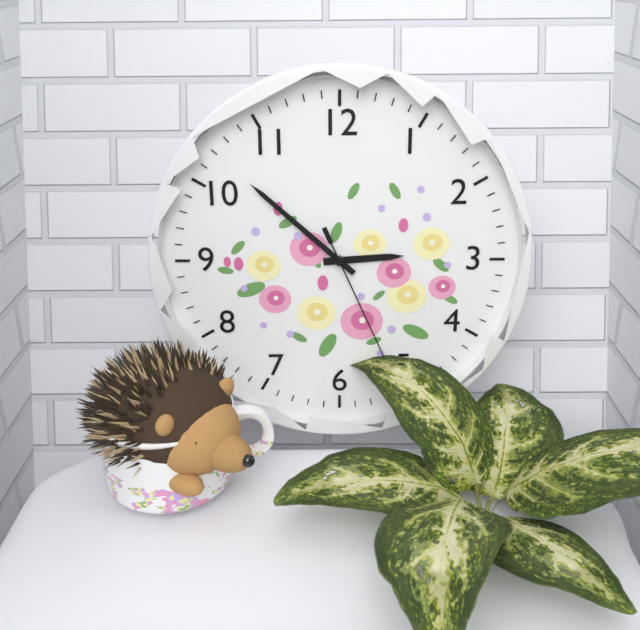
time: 2:52:26
